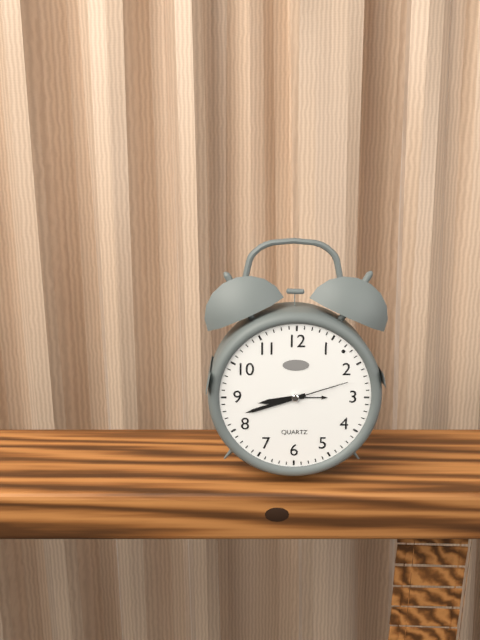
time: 8:42:12
